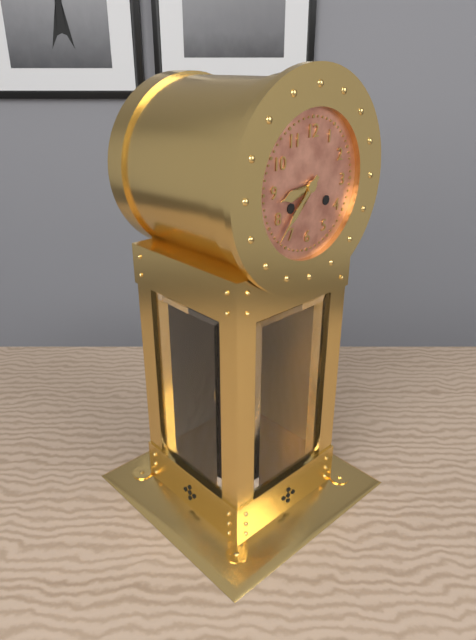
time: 8:37
